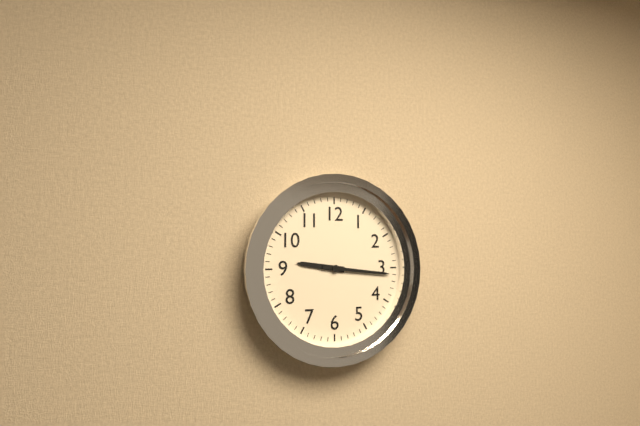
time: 9:16
